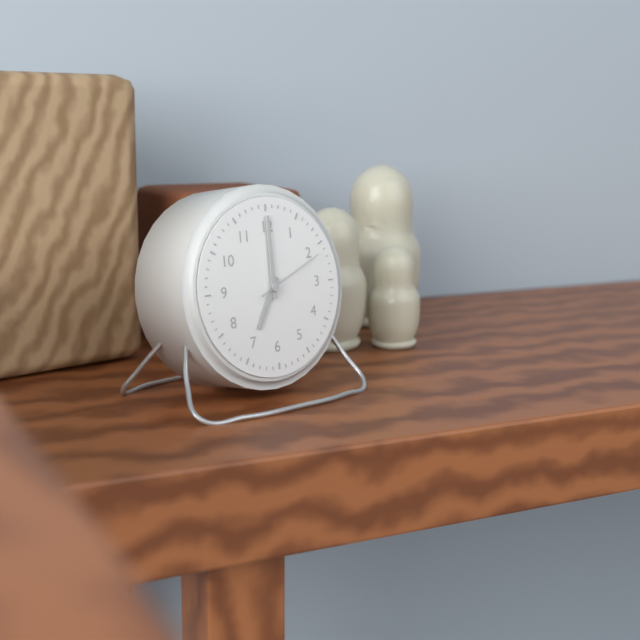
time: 7:00:11
